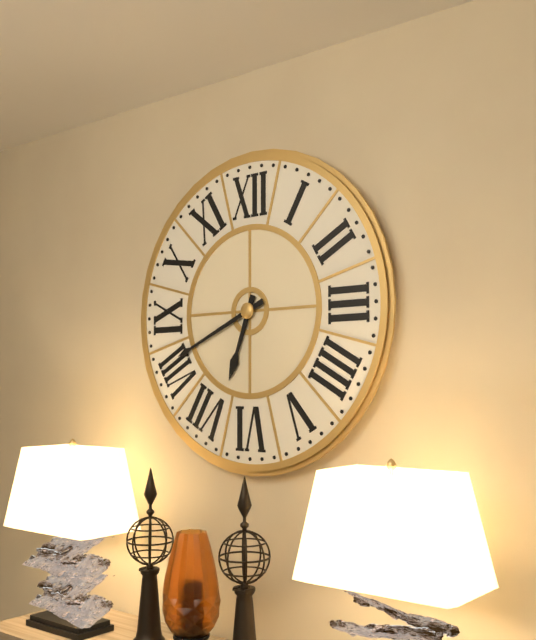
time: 6:41
